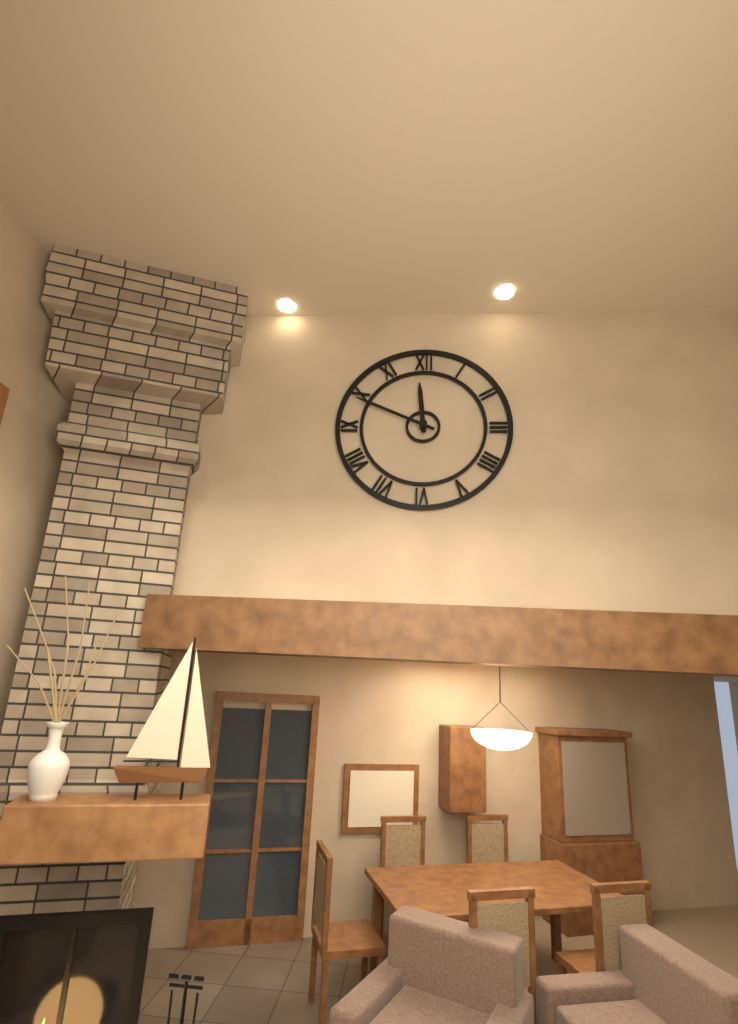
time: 11:49
